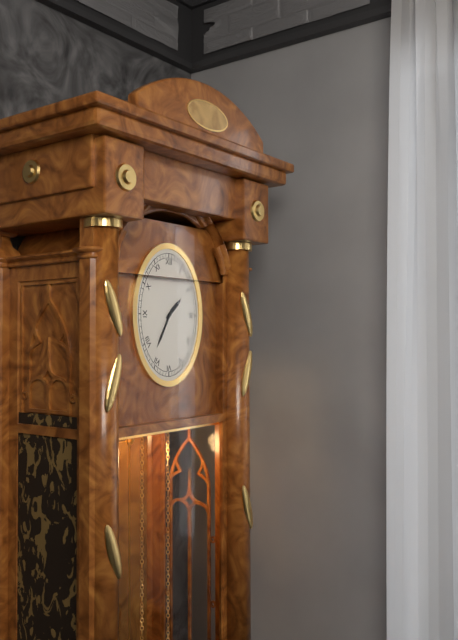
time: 1:35
